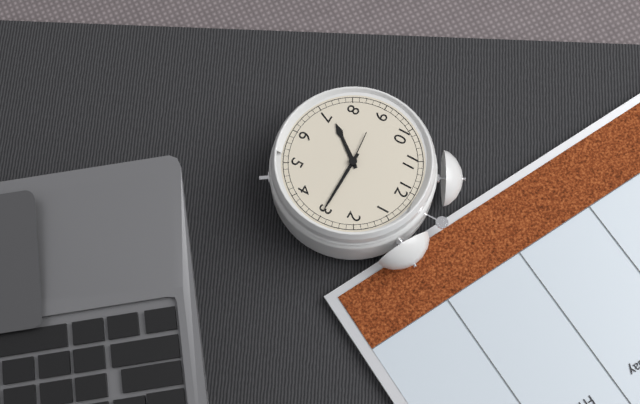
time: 7:15
